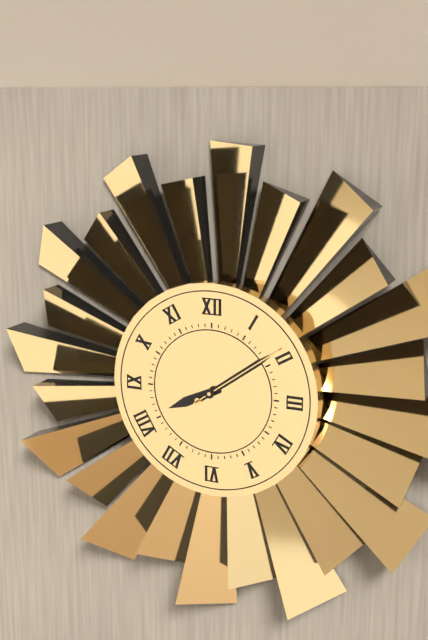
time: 8:09:09
